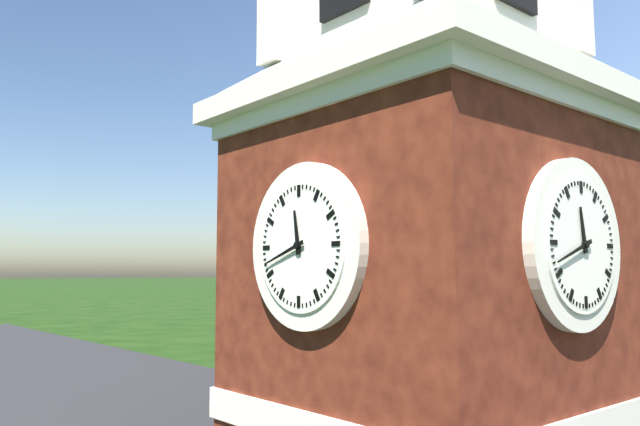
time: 11:42
